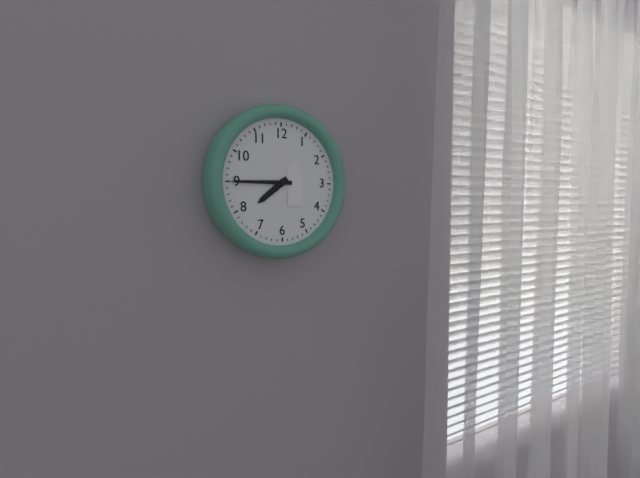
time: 7:45
